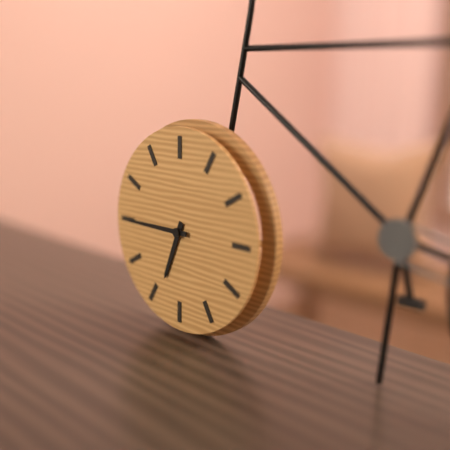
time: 6:45
